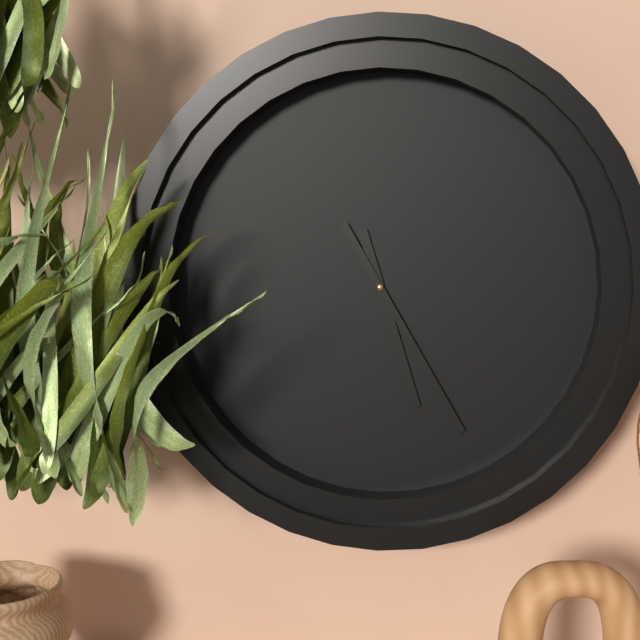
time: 5:25
